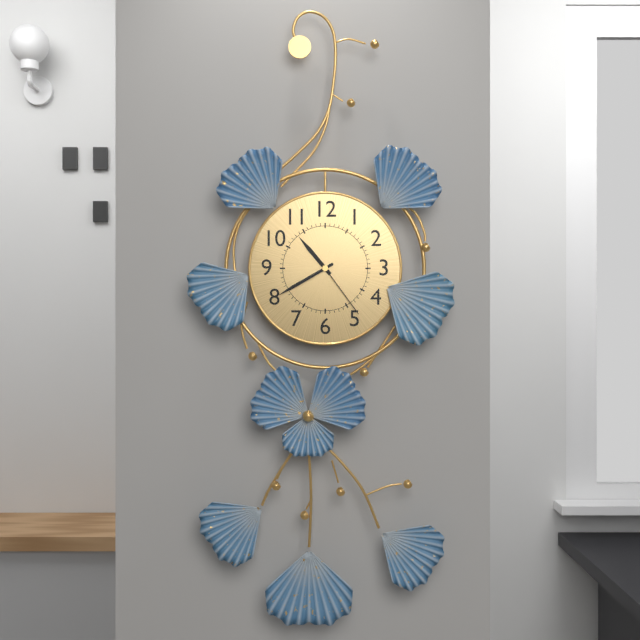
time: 10:40:24
